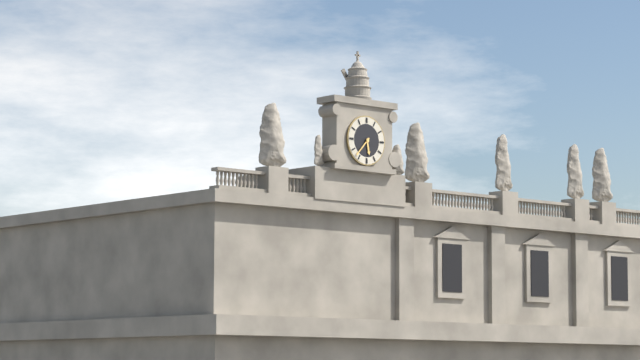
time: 5:37
